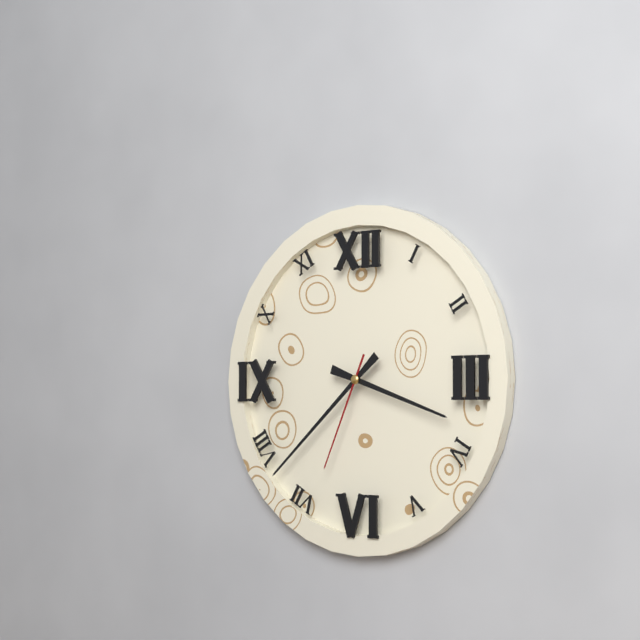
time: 3:38:34
